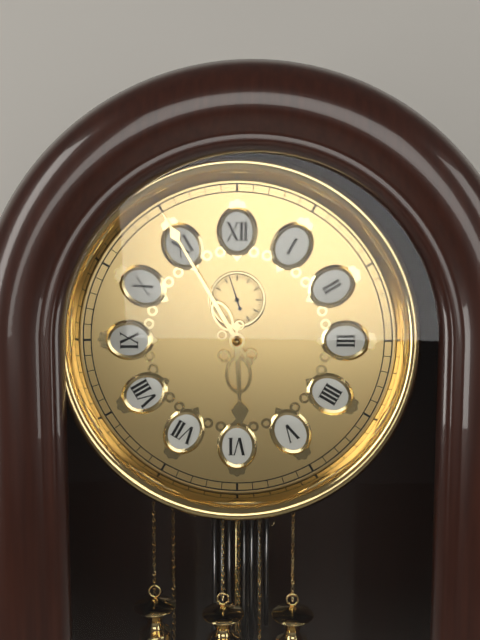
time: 5:55
